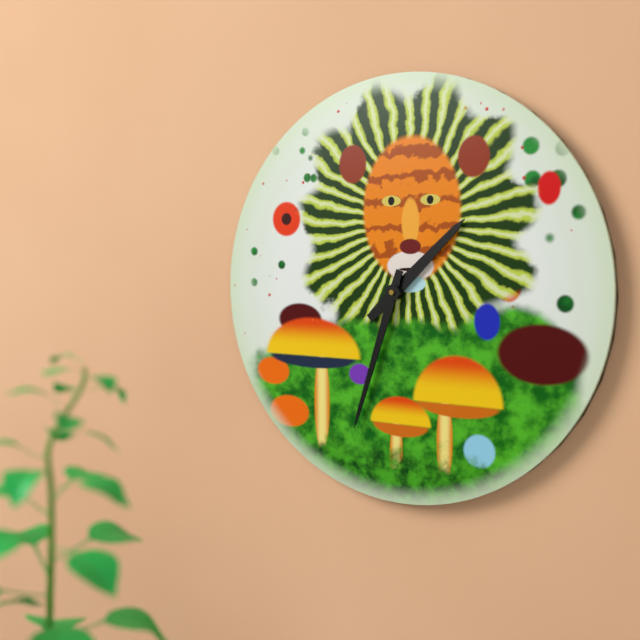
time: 1:33
